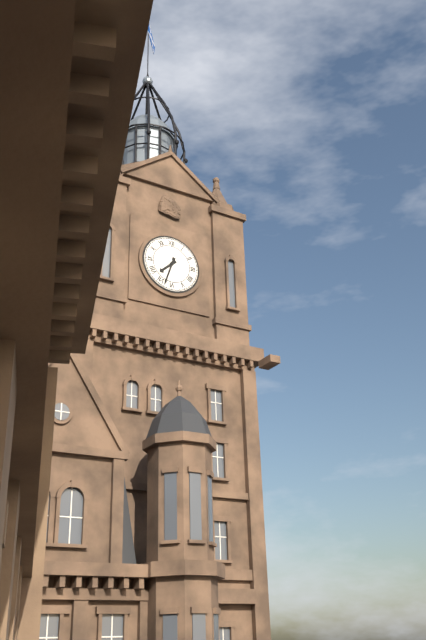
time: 7:33
